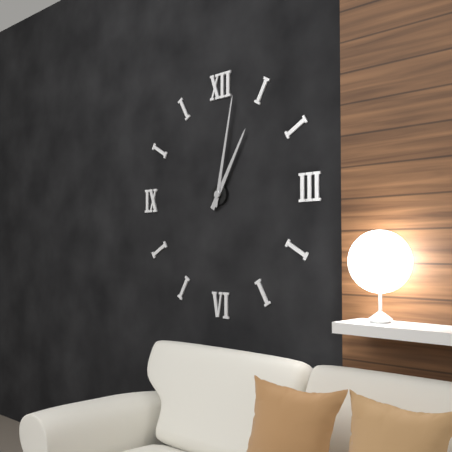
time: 1:02
